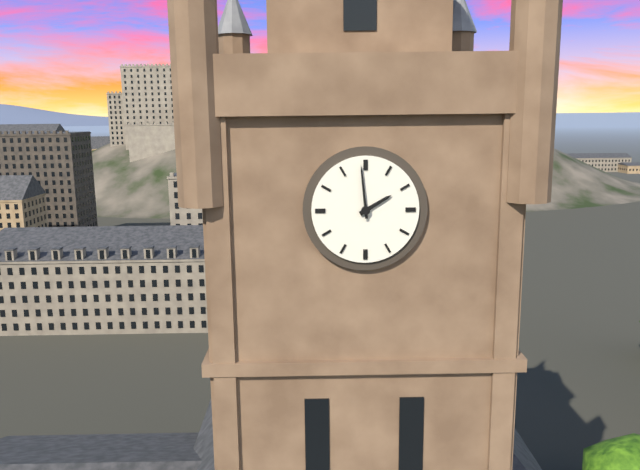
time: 1:59
